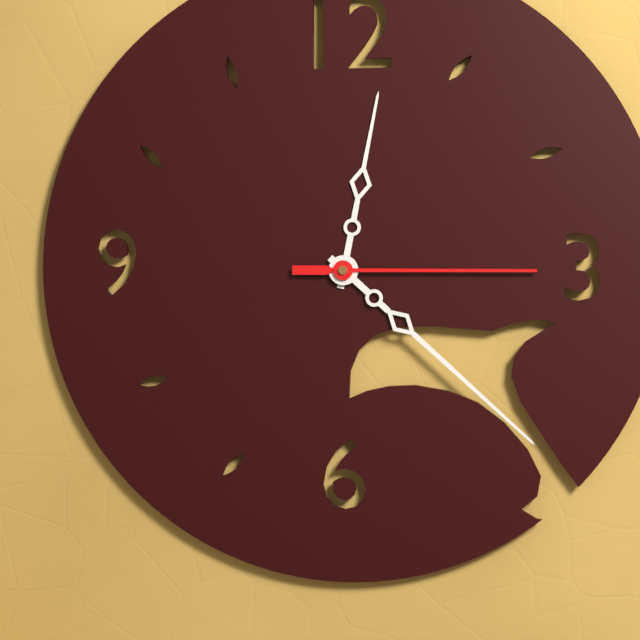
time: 12:22:15
